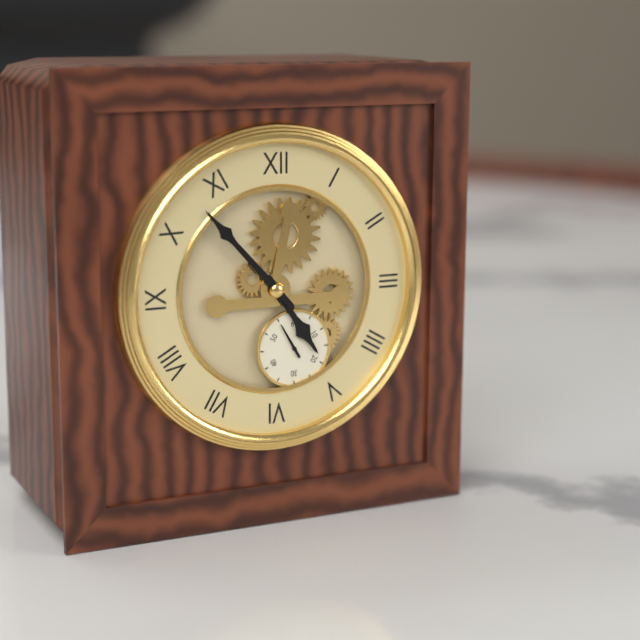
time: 4:53
